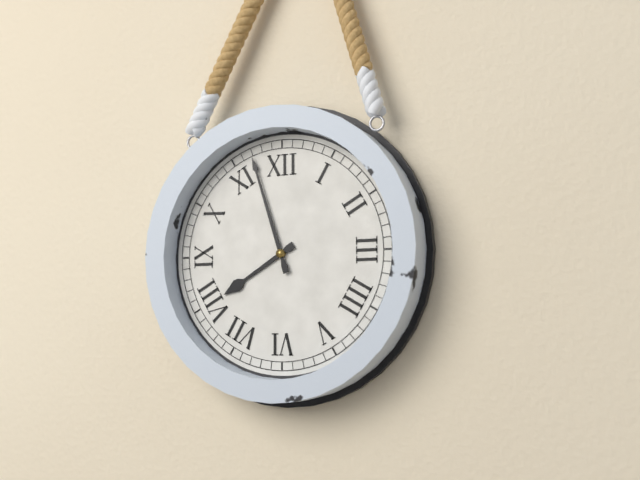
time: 7:57
